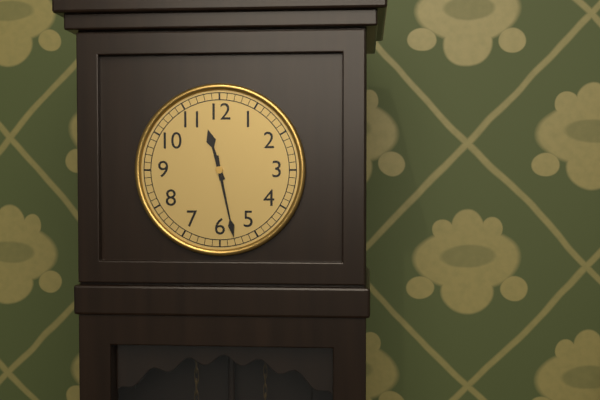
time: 11:28
